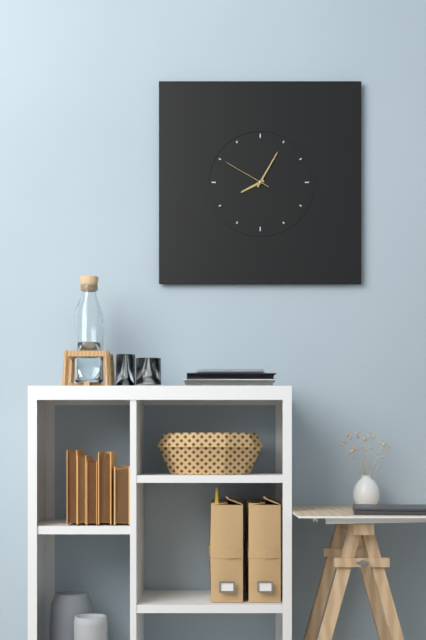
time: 8:05:50
